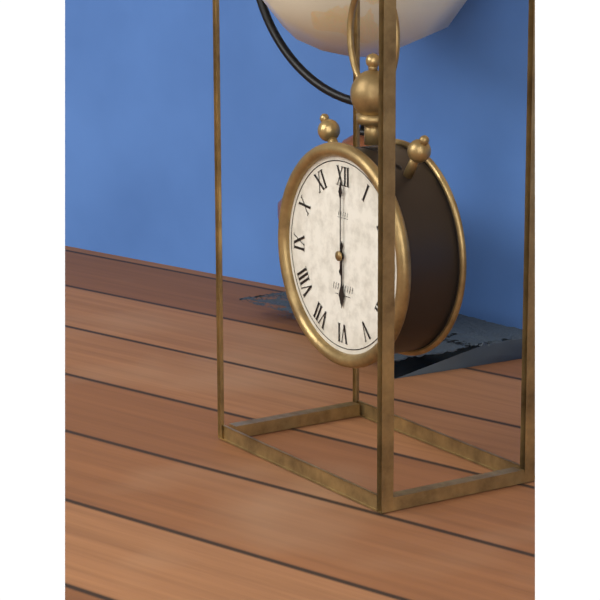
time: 6:00
